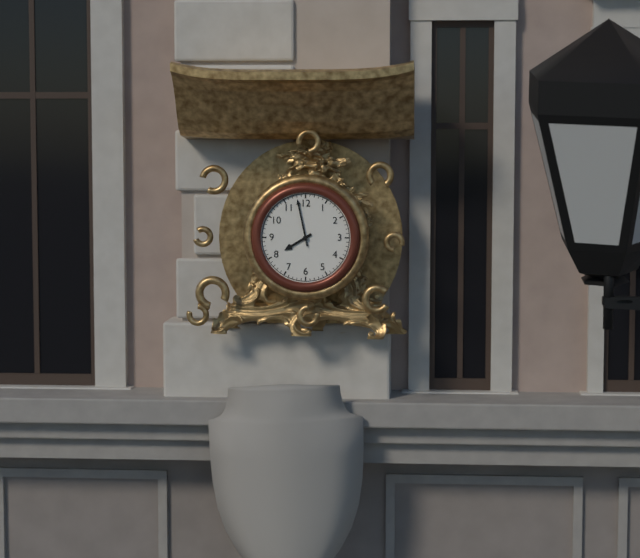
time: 7:58
